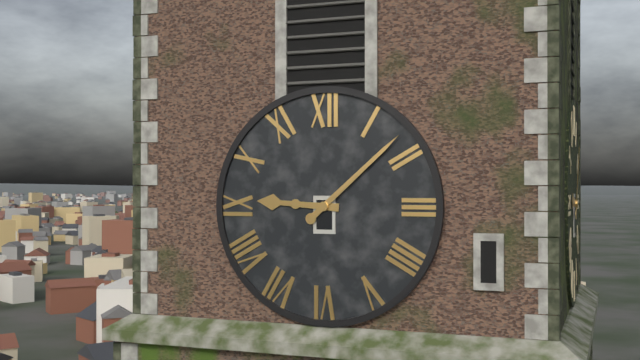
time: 9:08
